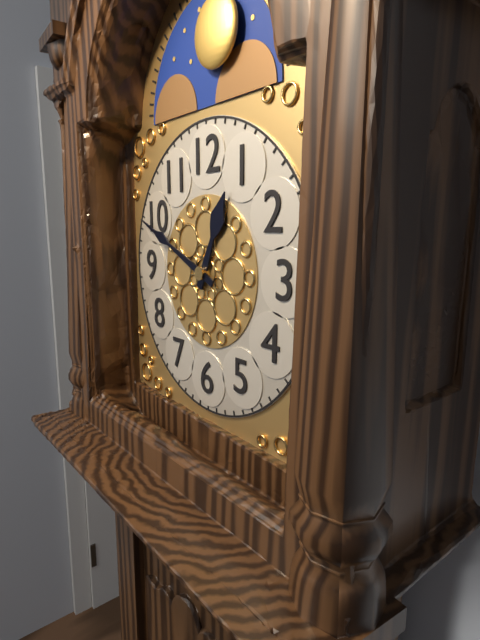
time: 12:49
